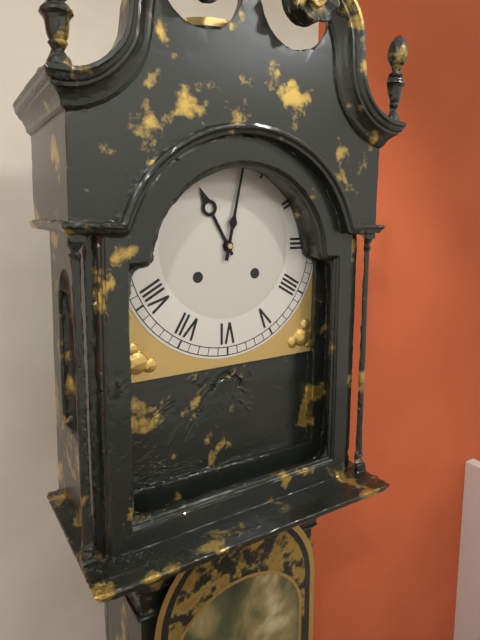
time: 11:02
